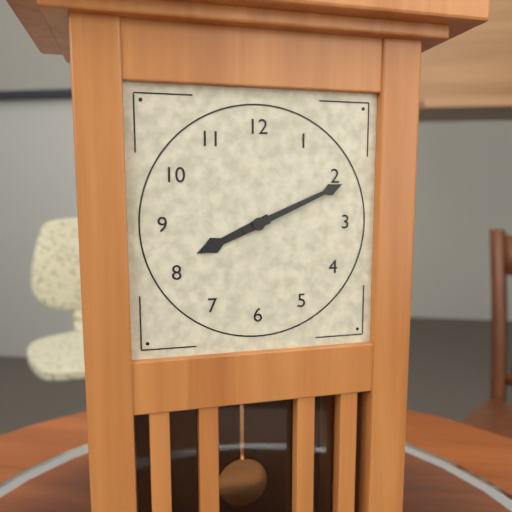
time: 8:11
